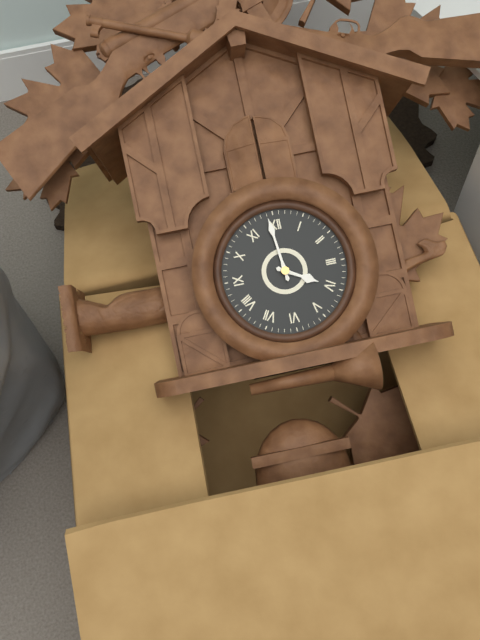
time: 3:59
